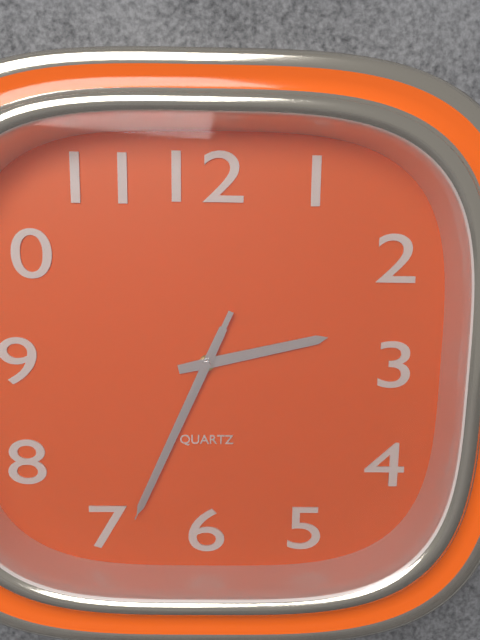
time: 2:34:34
